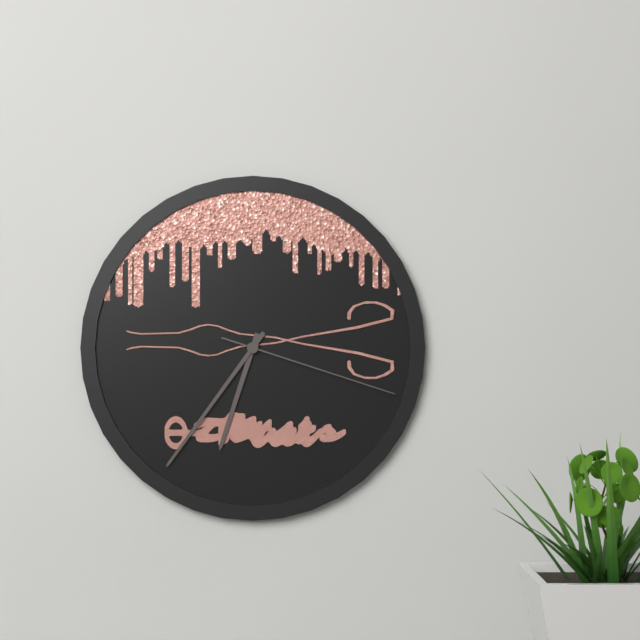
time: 6:36:18
